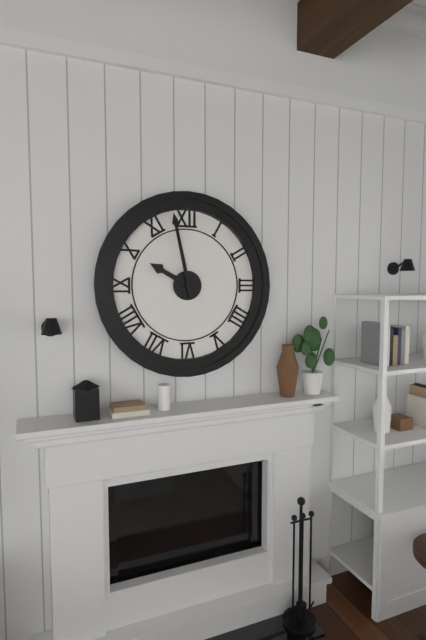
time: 9:58
